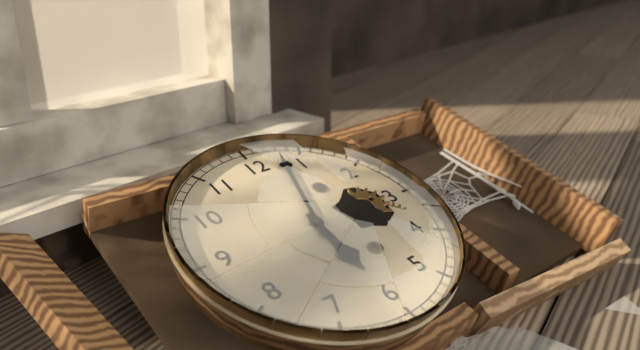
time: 6:03
